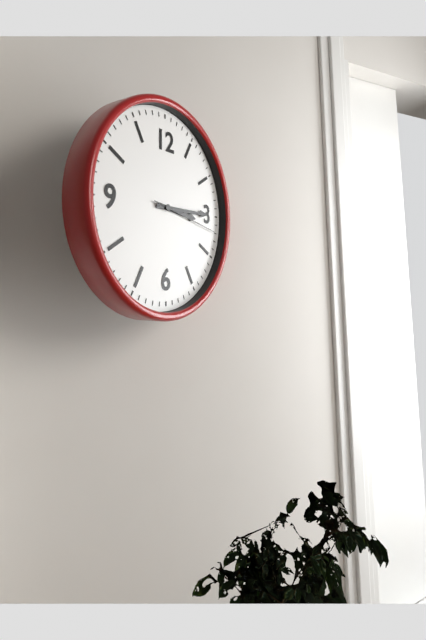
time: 3:15:17
